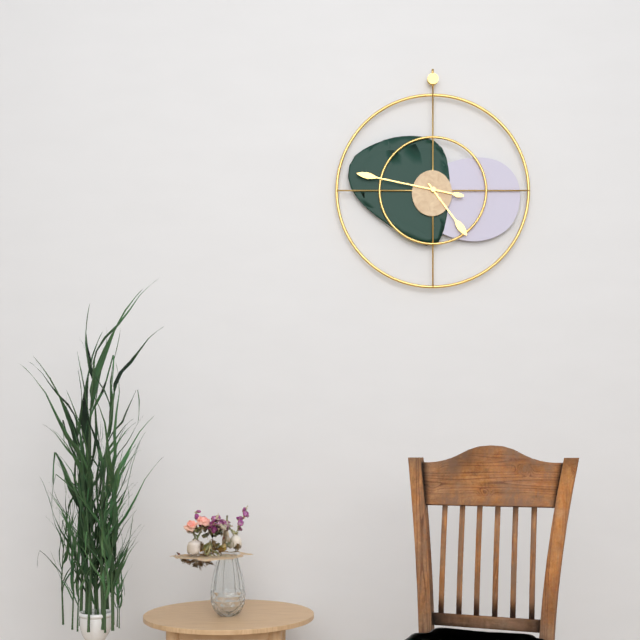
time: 4:47
